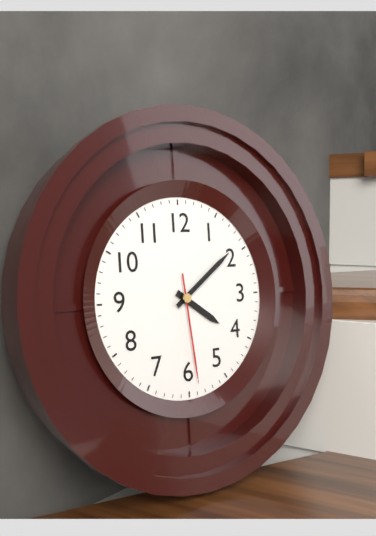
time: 4:09:29
